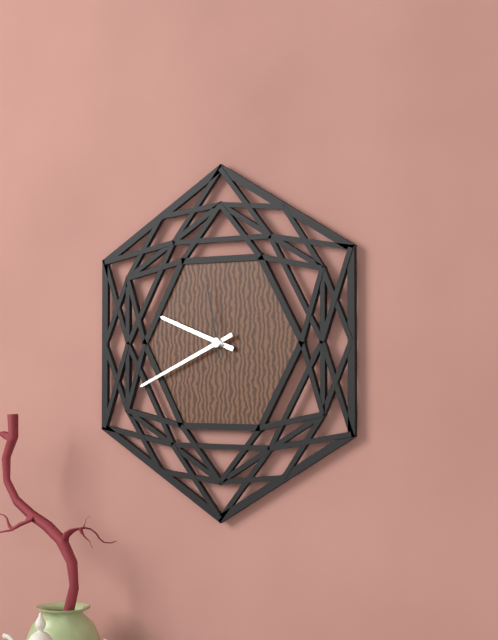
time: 9:41:58
